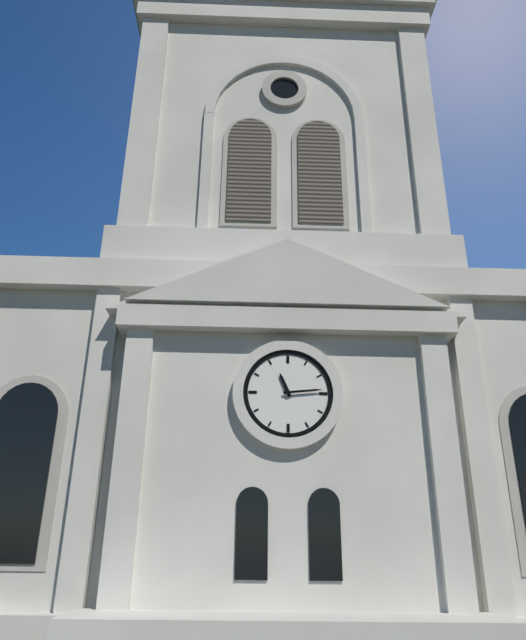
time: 11:14
